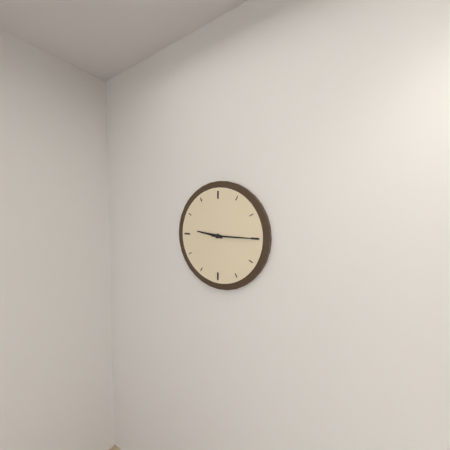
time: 9:15
